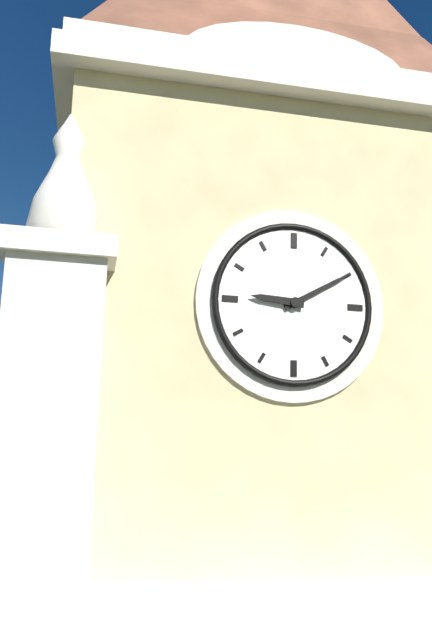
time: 9:10
